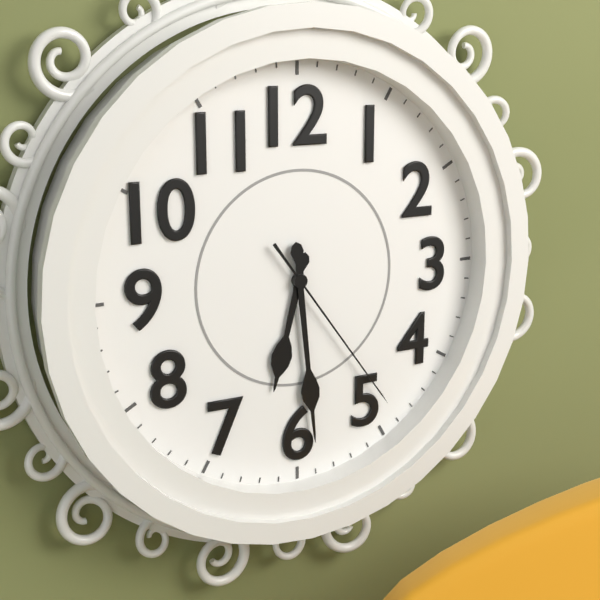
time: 6:29:24
